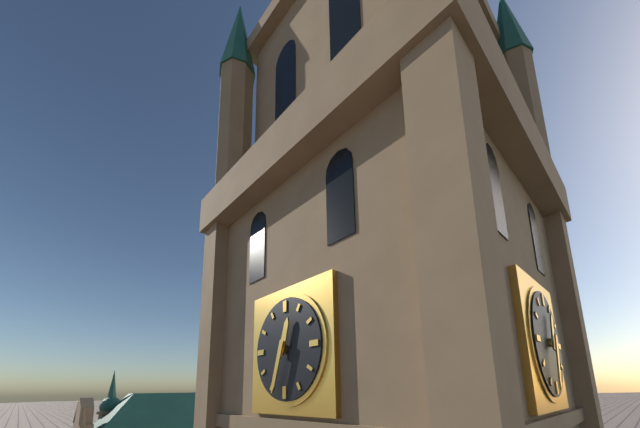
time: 12:33
